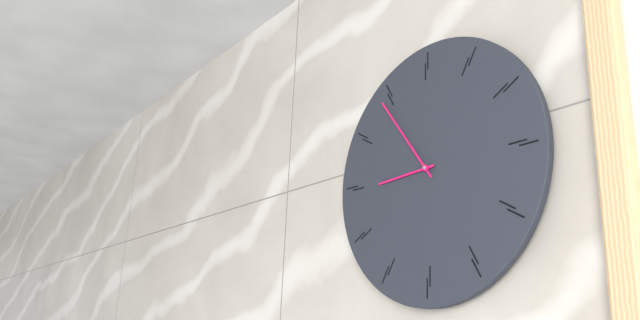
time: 8:54
